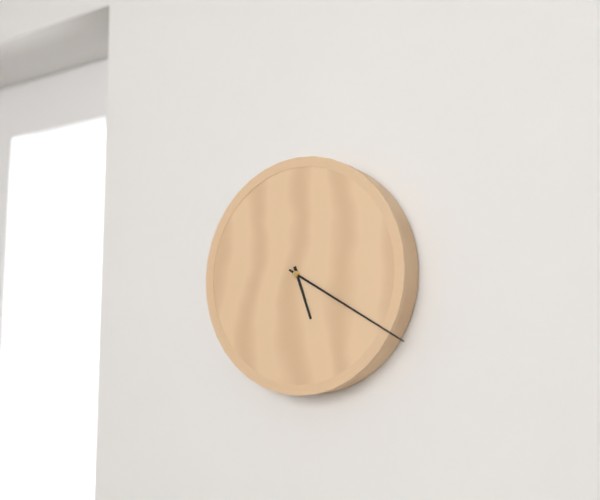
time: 5:20
